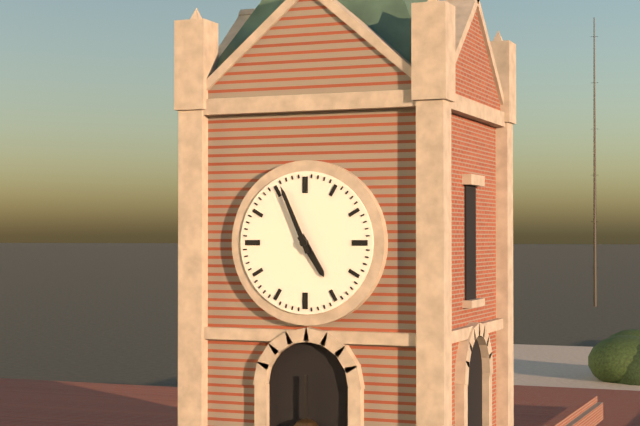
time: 4:56
